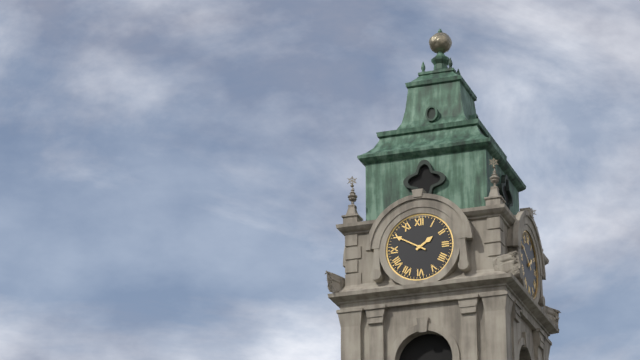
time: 1:50
